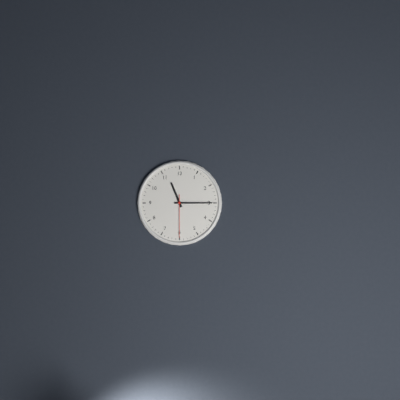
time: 11:15
